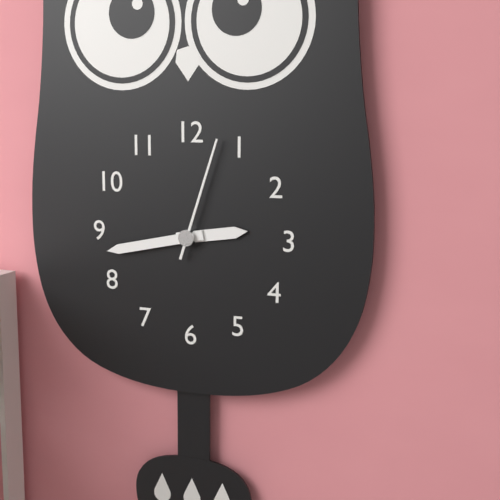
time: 2:43:03
